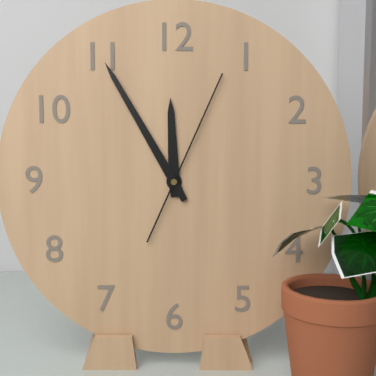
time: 11:55:04
